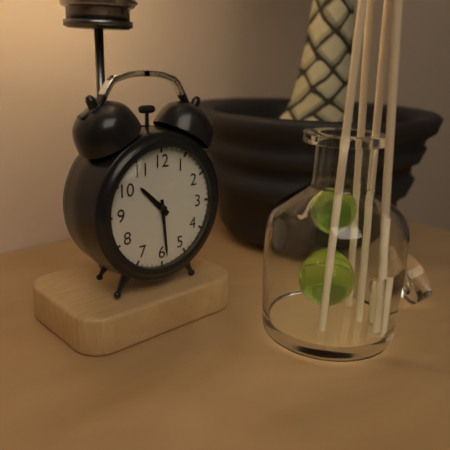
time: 10:29
